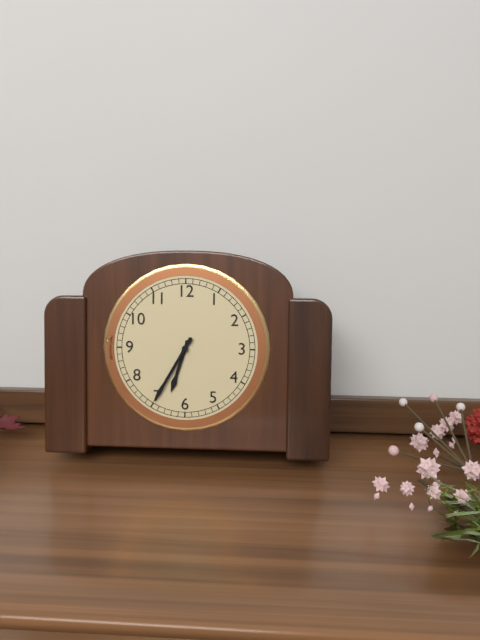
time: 6:35
